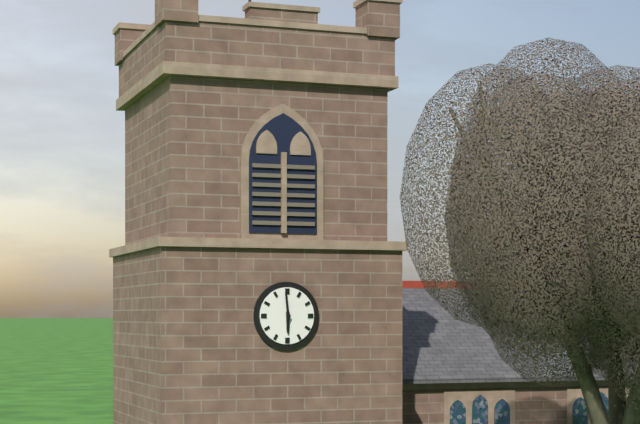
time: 5:59
